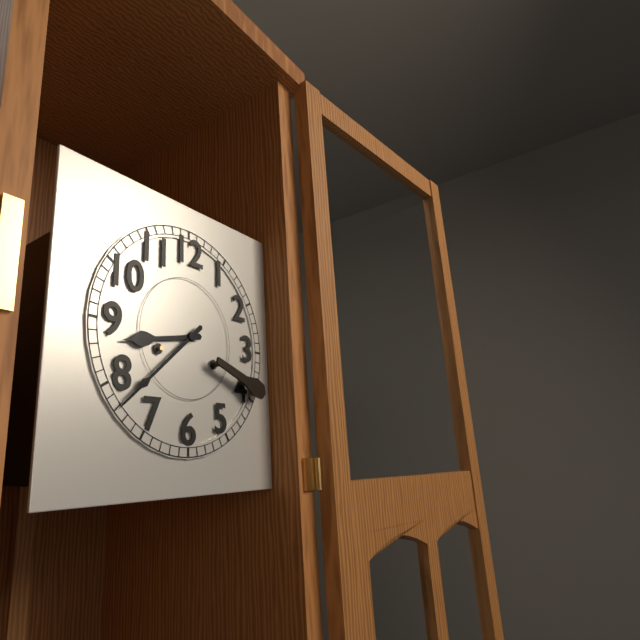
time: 8:38
